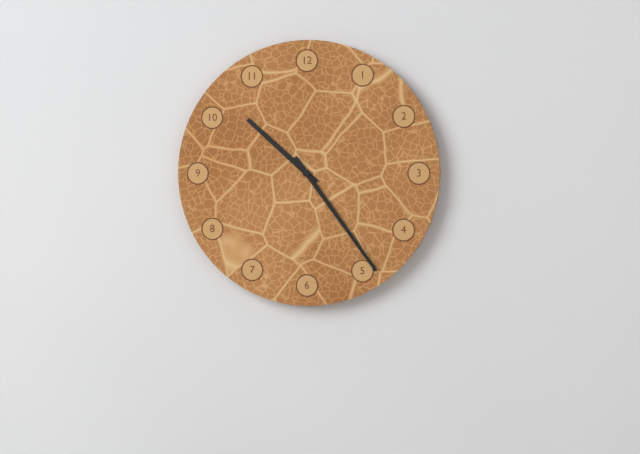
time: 10:24
